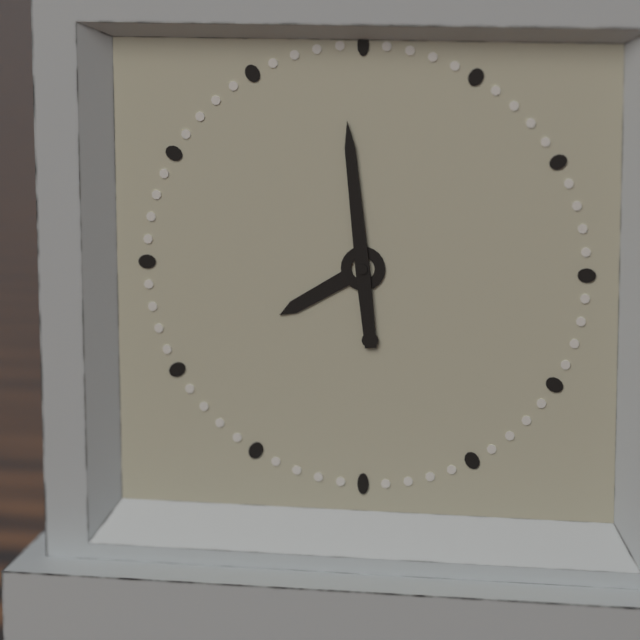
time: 7:59
